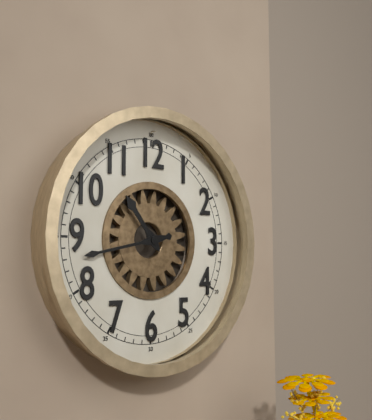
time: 10:43
